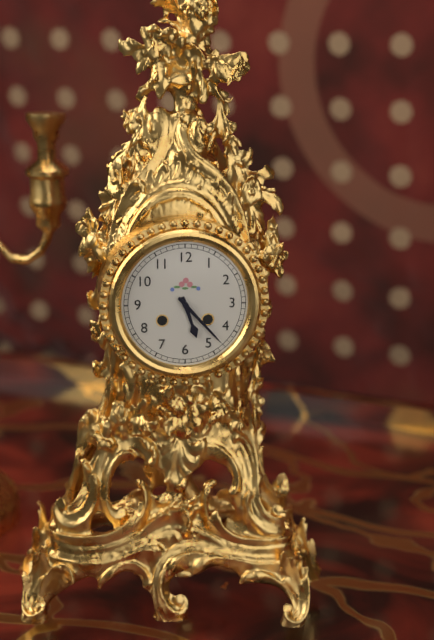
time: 5:23
